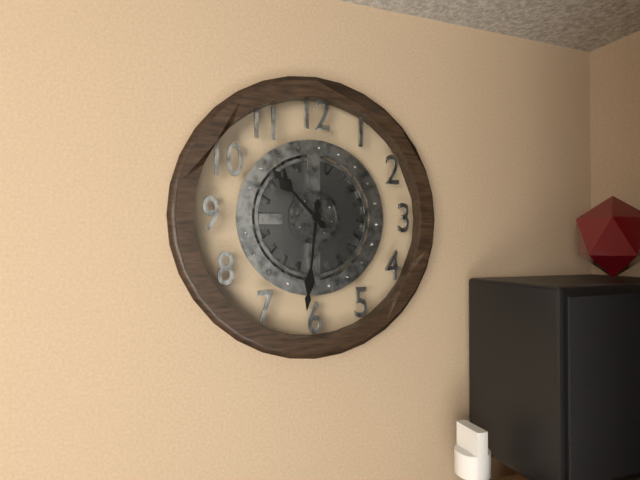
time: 10:31
